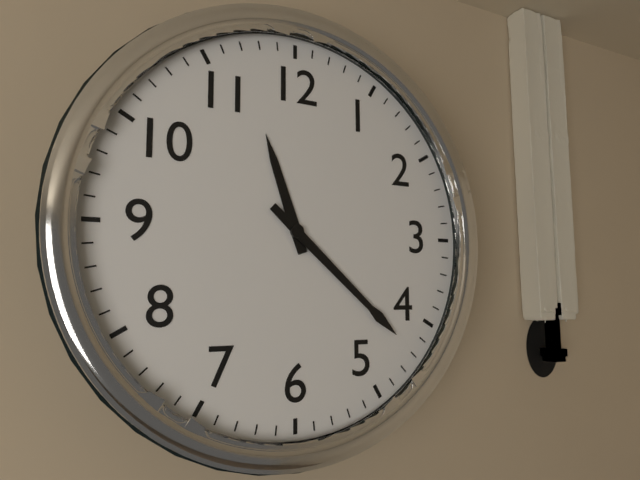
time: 11:22
